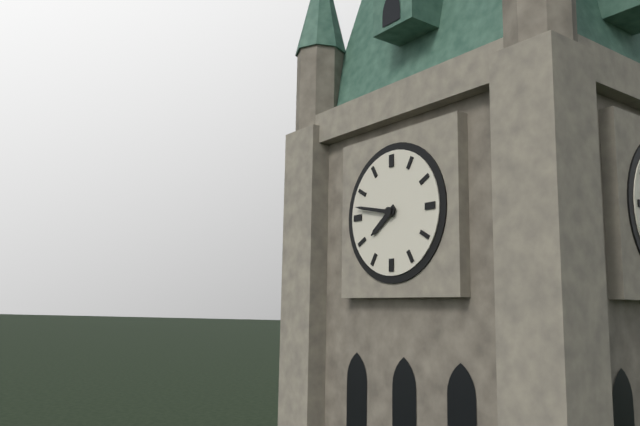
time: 7:47
